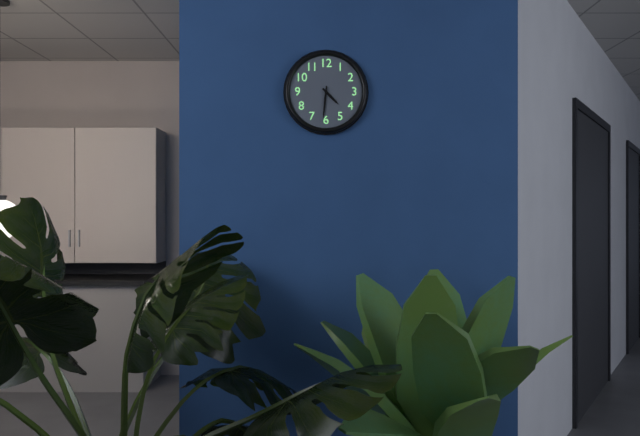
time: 4:31
